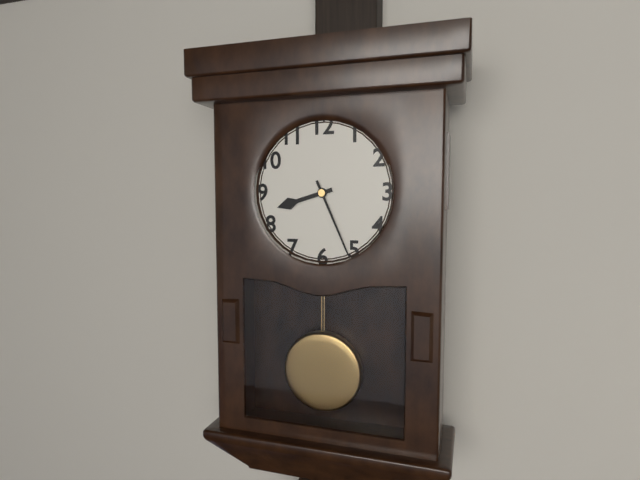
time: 8:26
